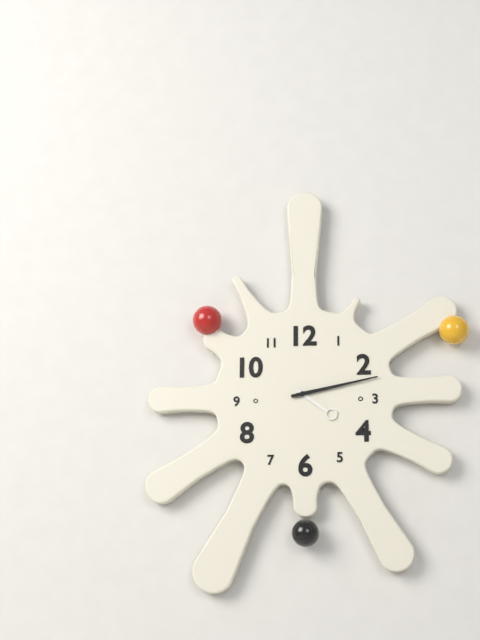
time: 4:13
